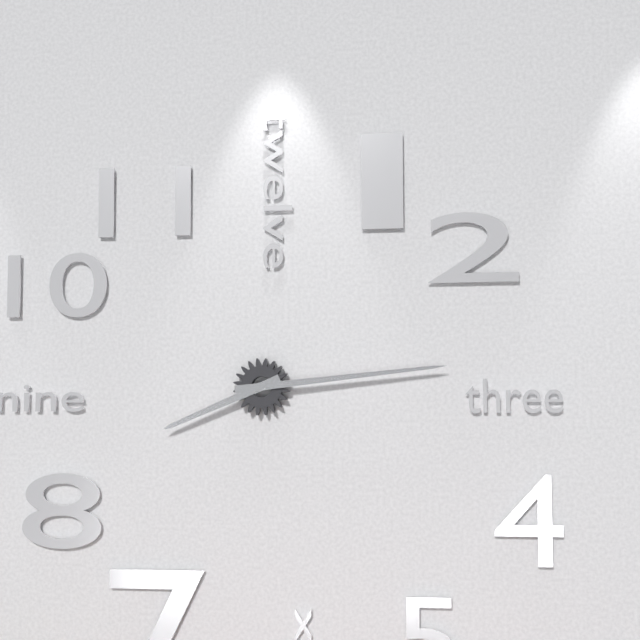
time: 8:14
